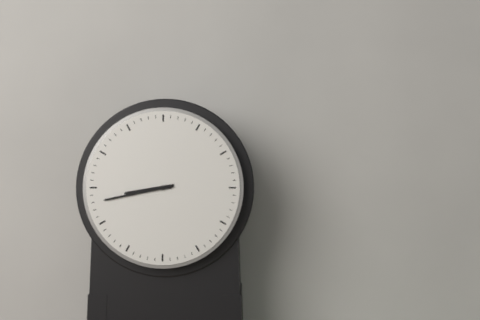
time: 8:43
